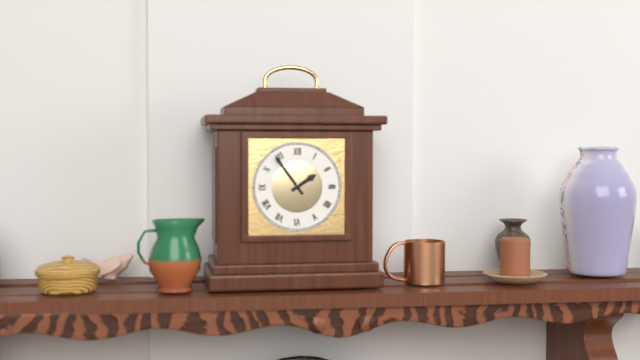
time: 1:54
